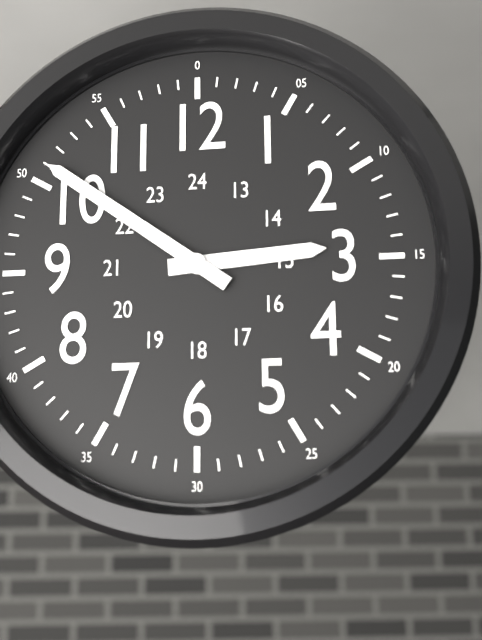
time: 2:51
